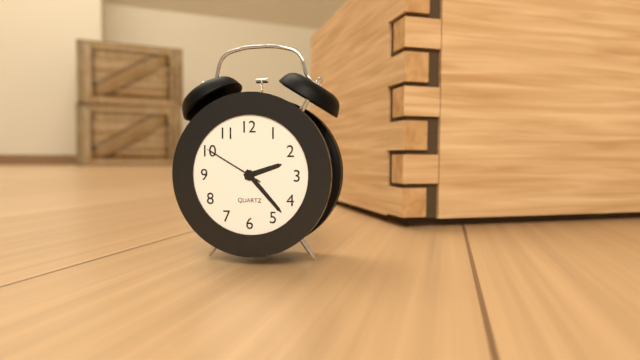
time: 2:23:50
